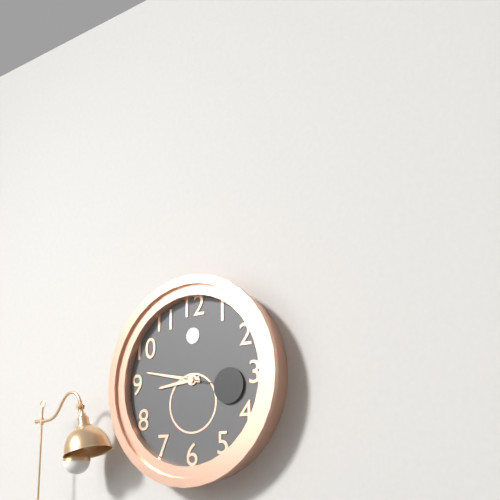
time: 8:47:17
